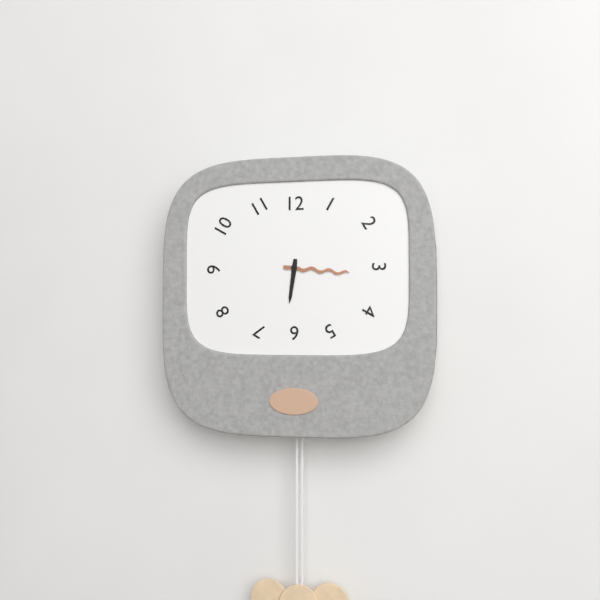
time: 6:16
